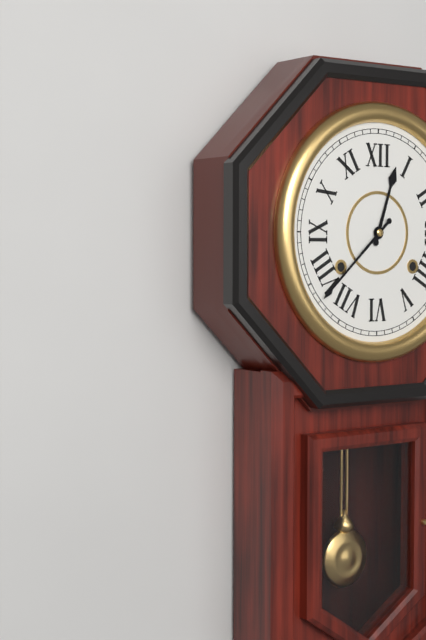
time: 12:38
